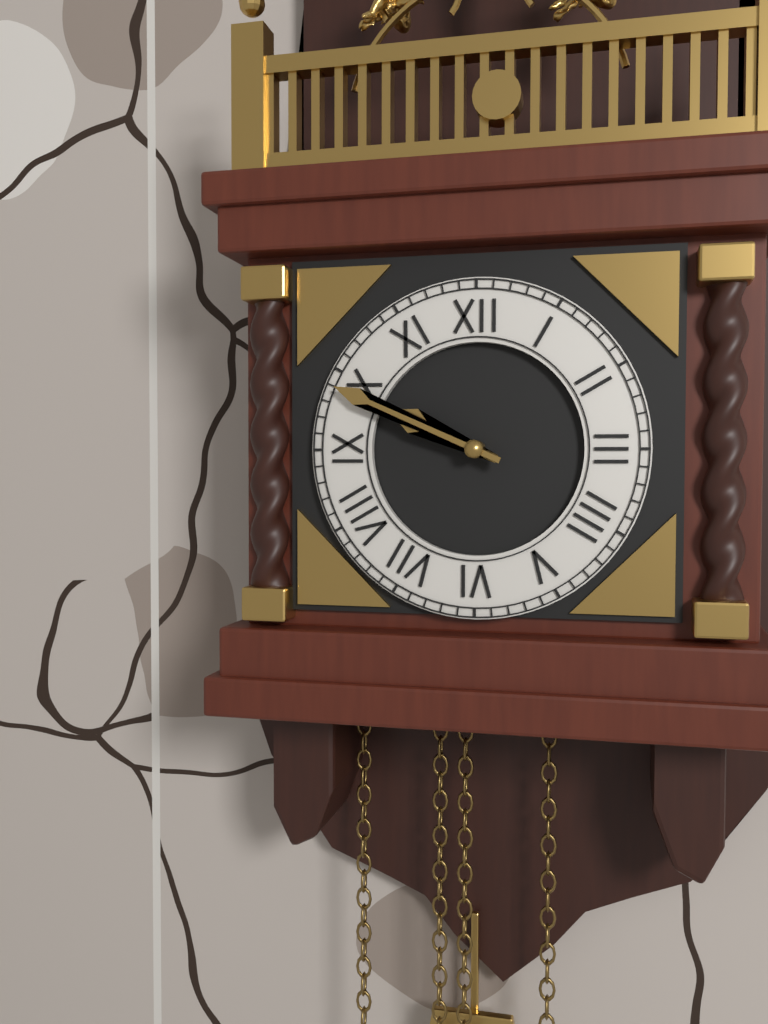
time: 9:49
